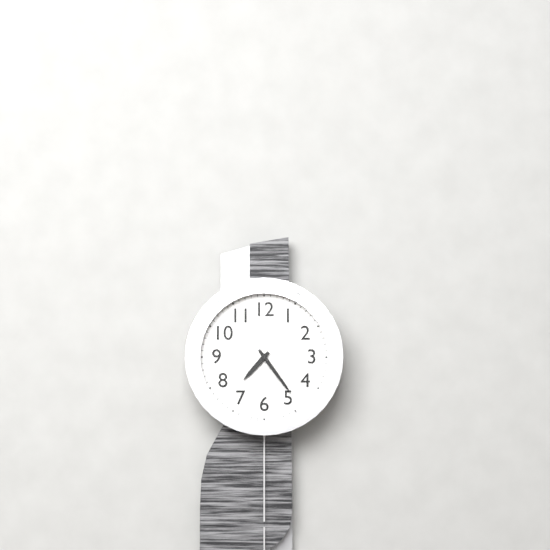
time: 7:24
